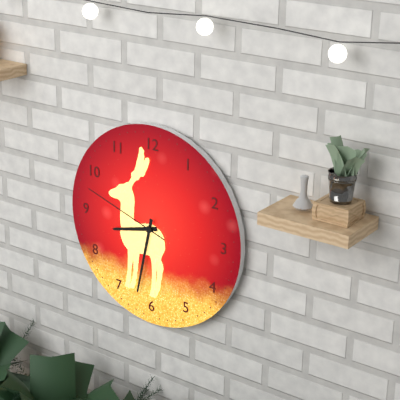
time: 8:32:48
